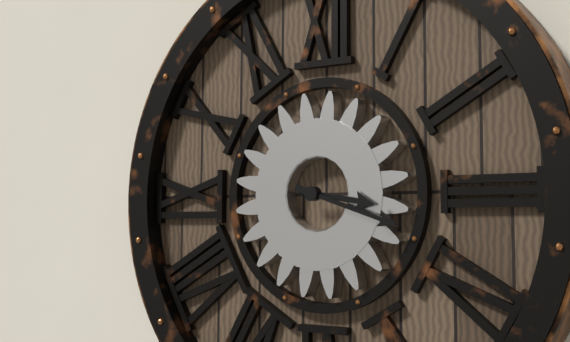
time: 3:18
